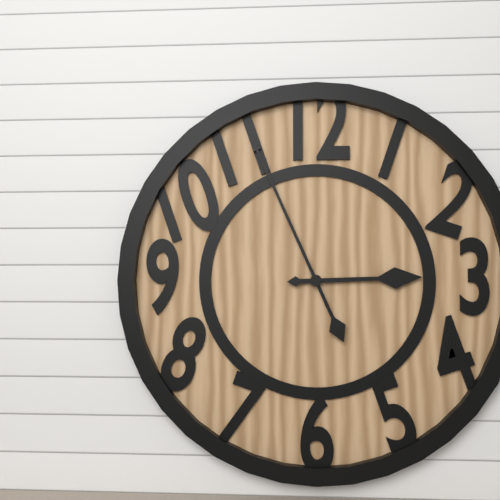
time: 2:56
